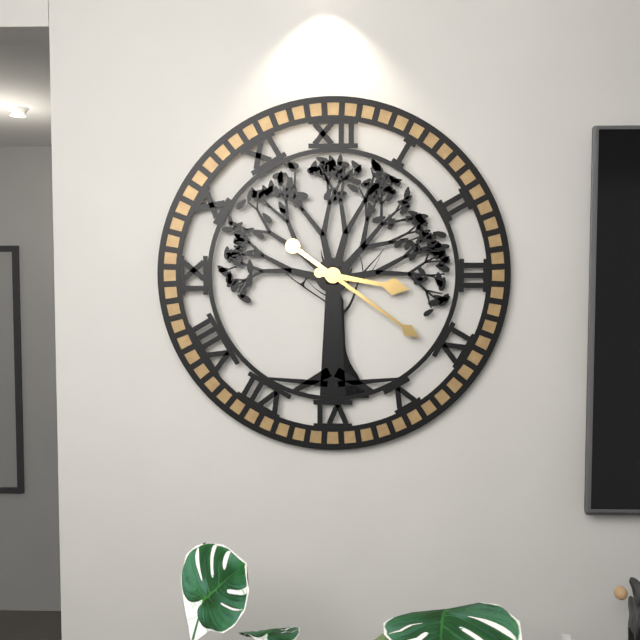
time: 3:21
